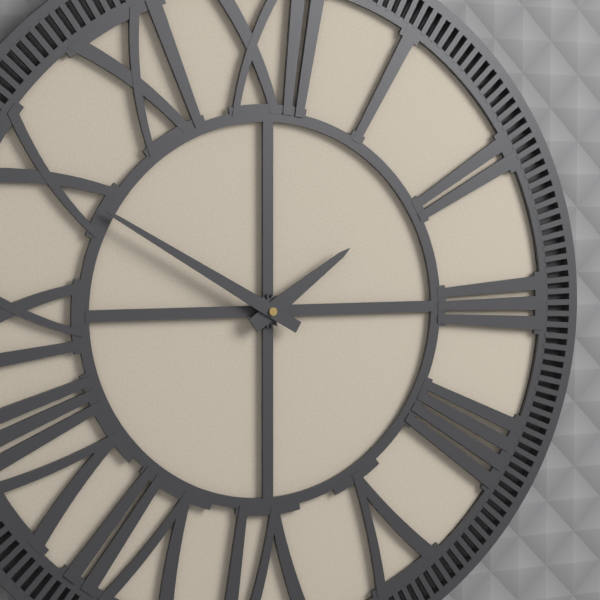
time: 1:50
